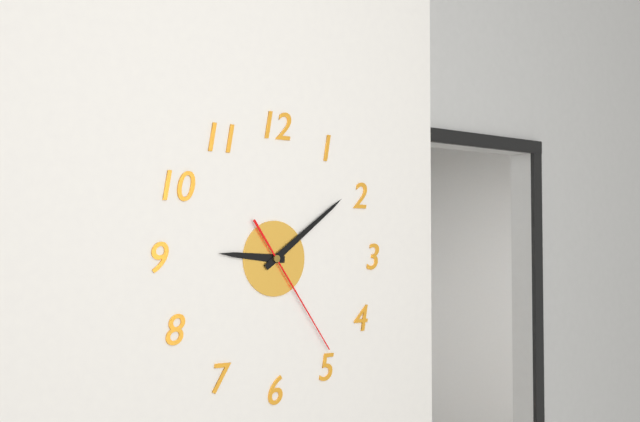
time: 9:09:24
